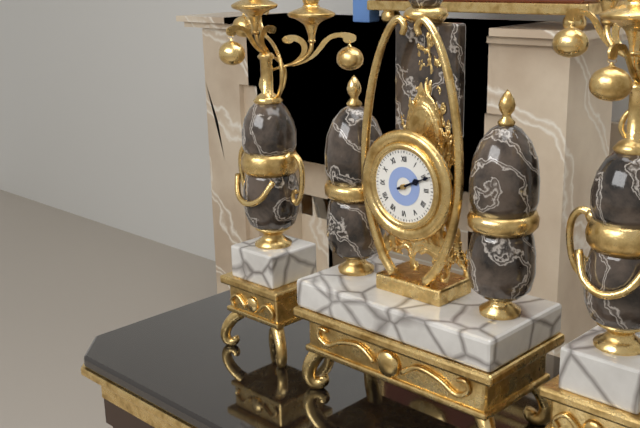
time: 2:11
